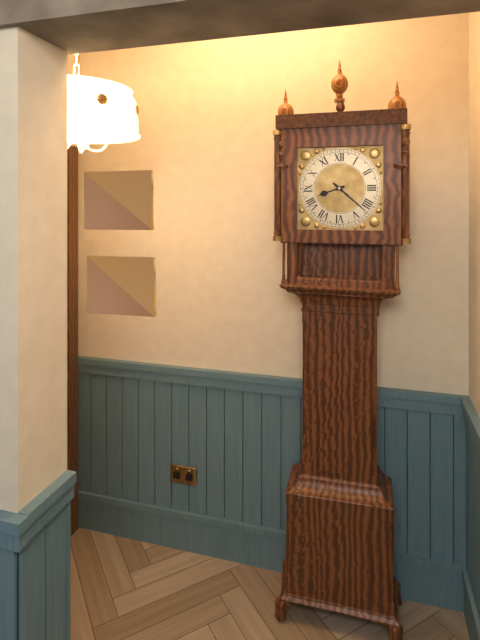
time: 8:22
